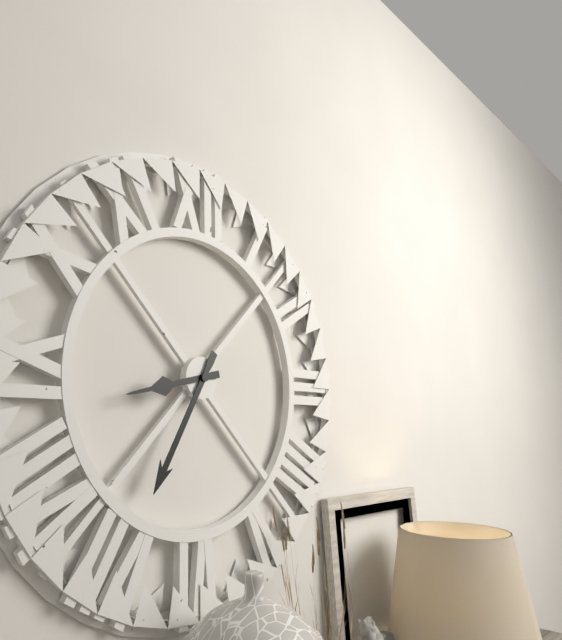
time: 8:35
